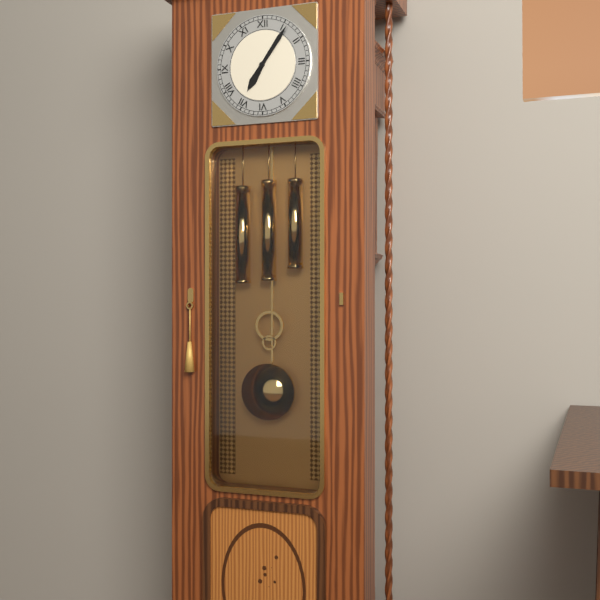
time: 7:06
